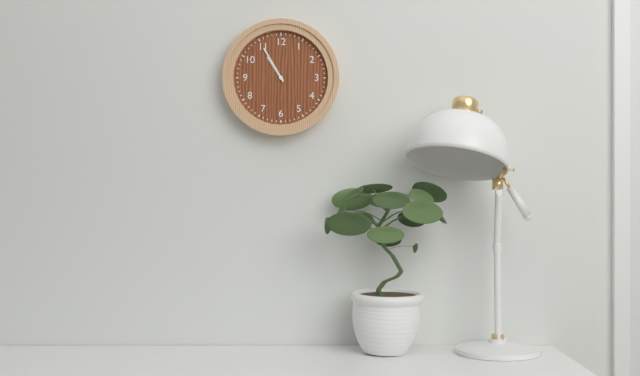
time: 10:55
